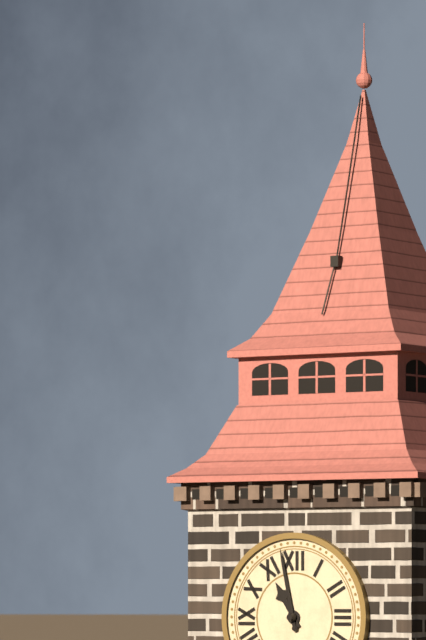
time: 10:58
